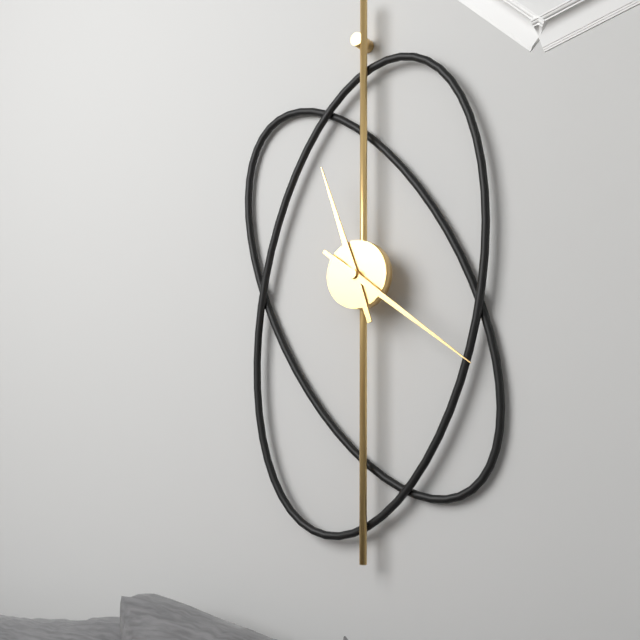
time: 11:21
